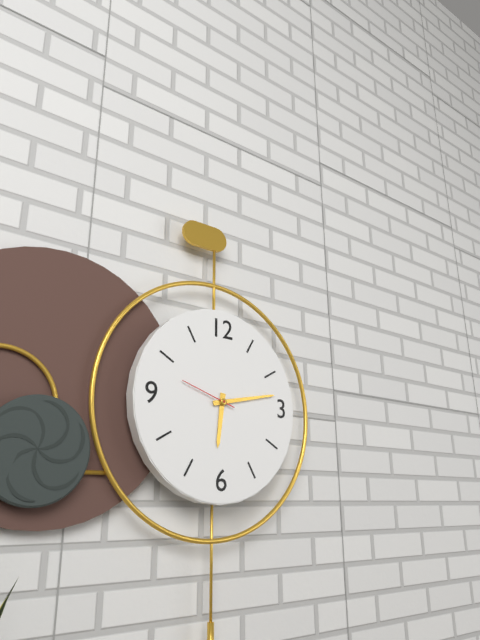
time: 6:13:48
